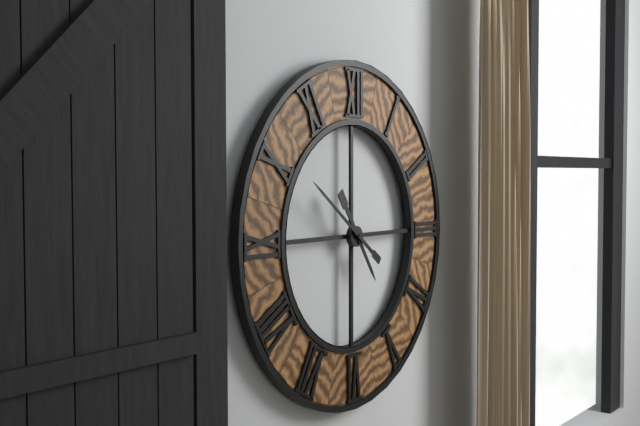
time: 4:51
